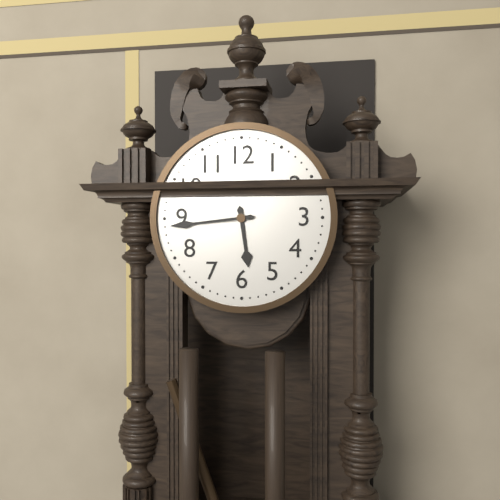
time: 5:44
